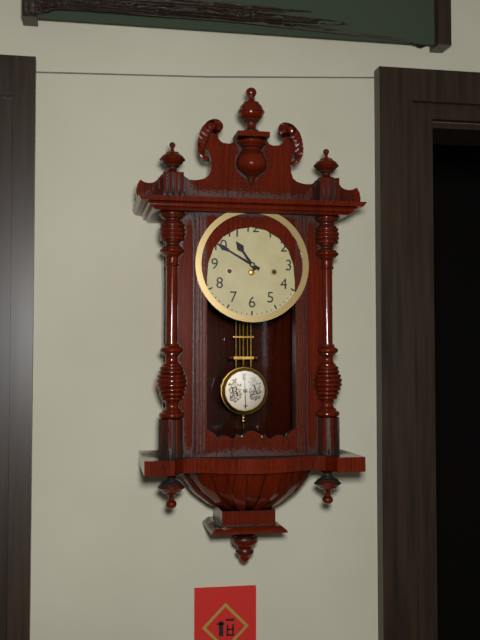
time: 10:50
